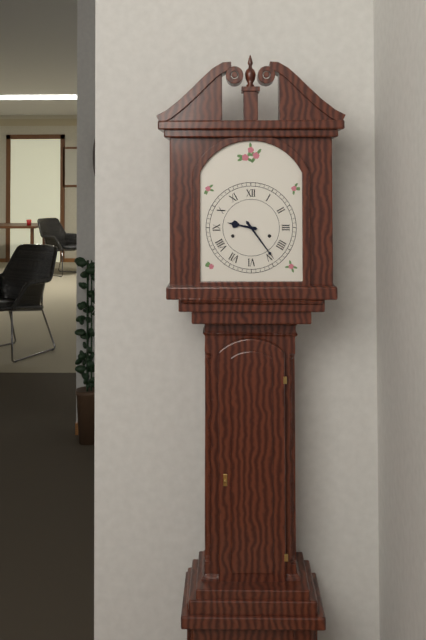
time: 9:24
